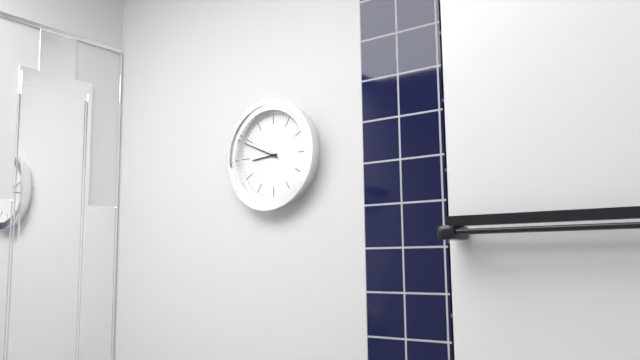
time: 8:49
